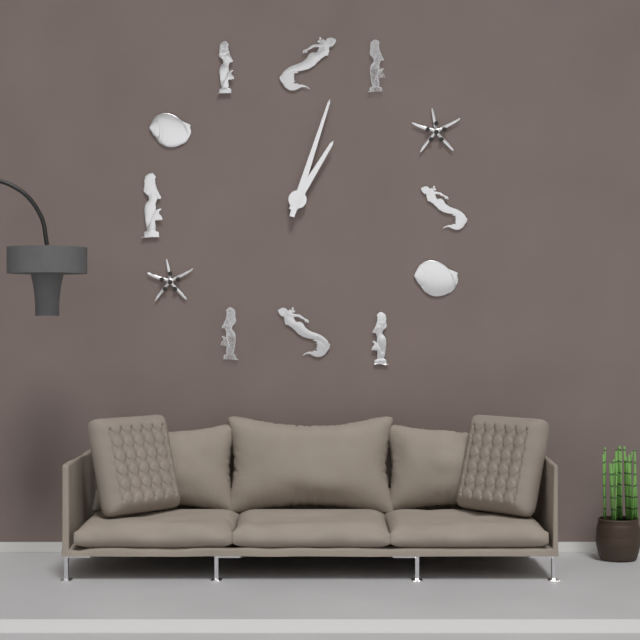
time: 1:03
